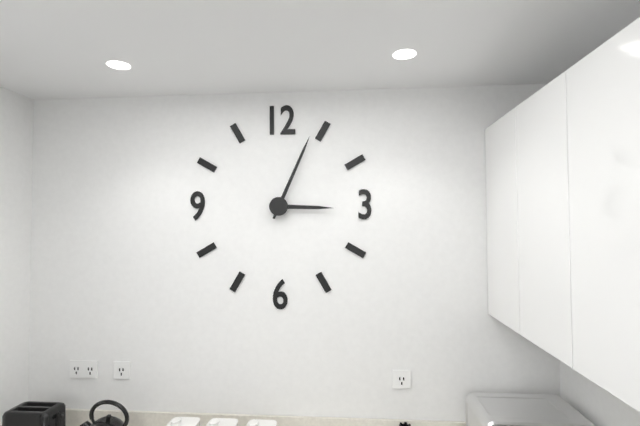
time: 3:04
